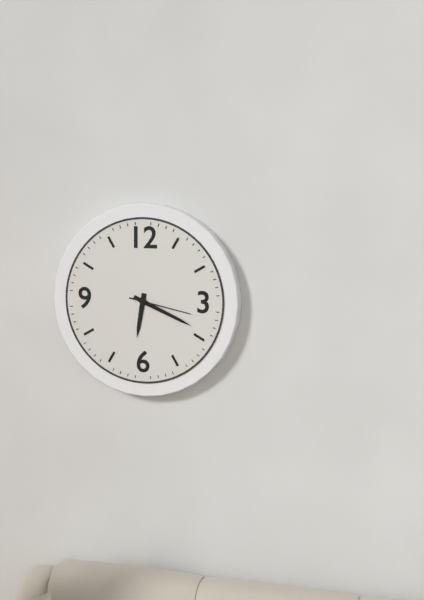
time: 6:19:17
